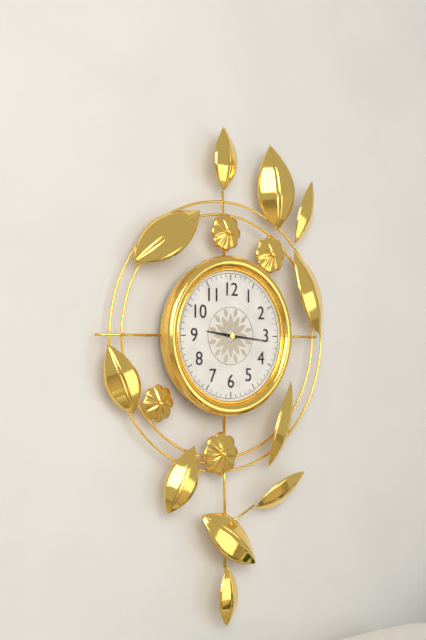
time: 9:16
